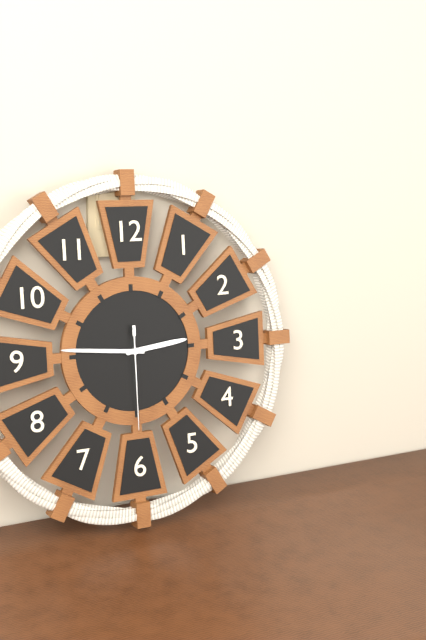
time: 2:46:30
